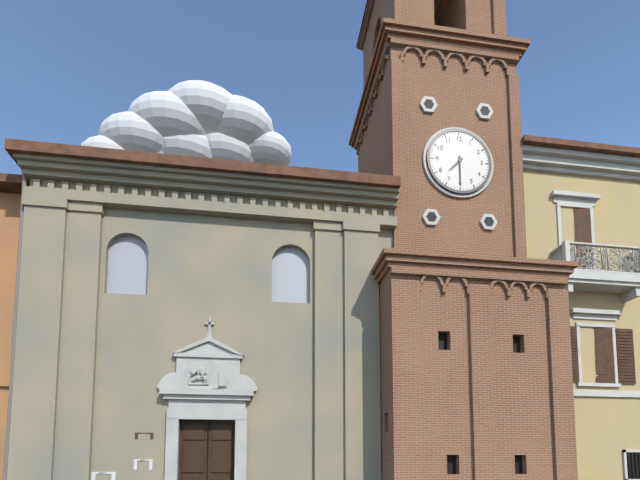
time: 7:30
